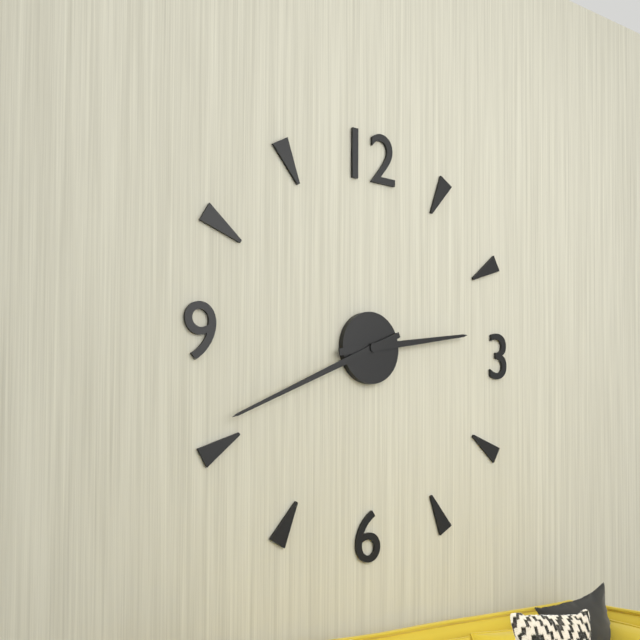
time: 2:41
